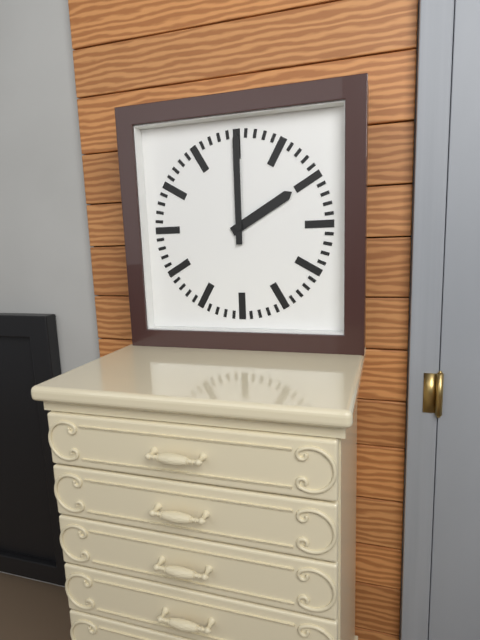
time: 2:00
